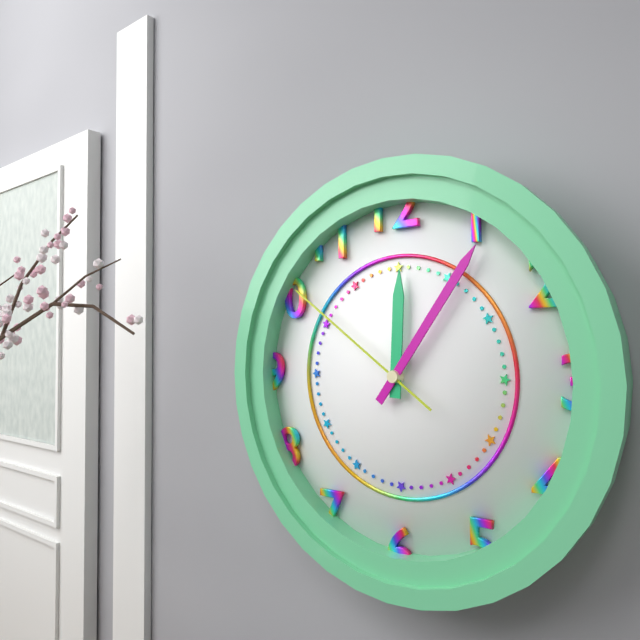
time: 12:06:51
